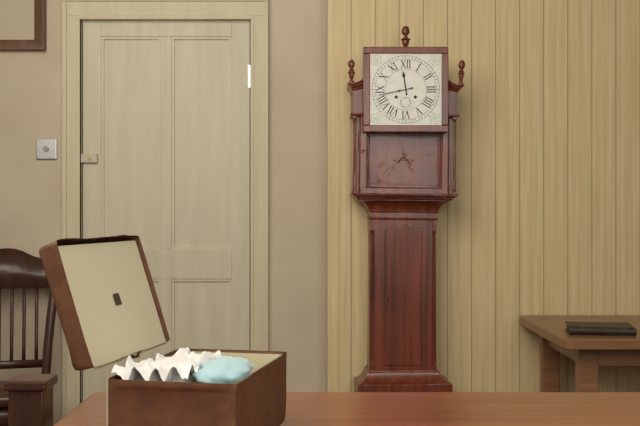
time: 11:43
